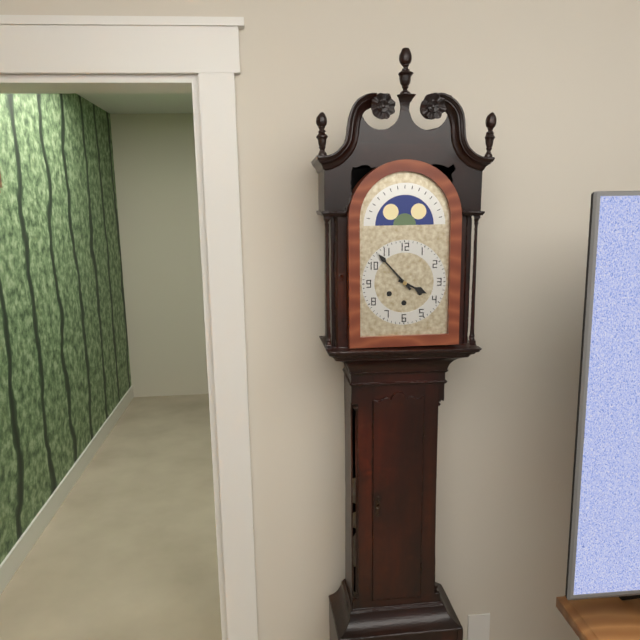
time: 3:53
